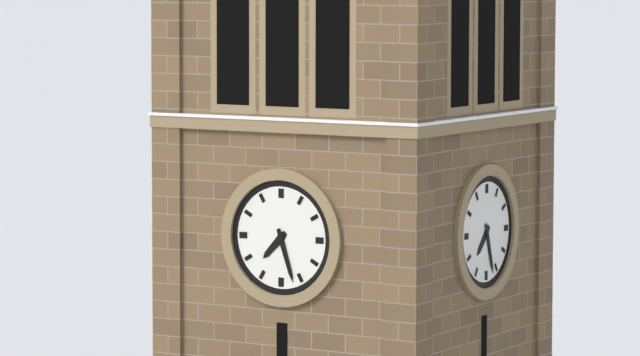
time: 7:27
